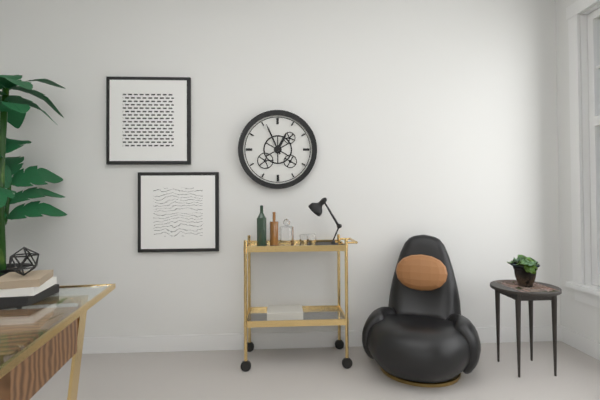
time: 12:56
